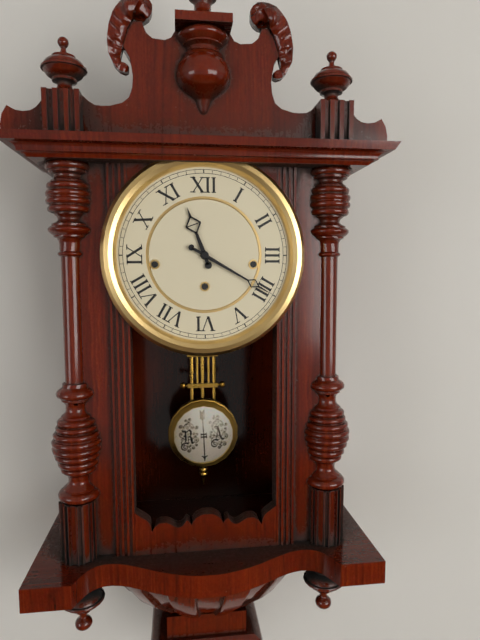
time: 11:20
